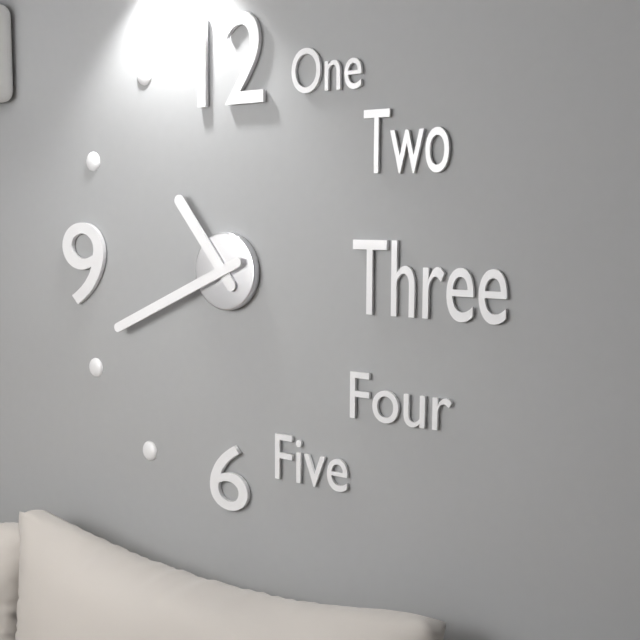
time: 10:41
